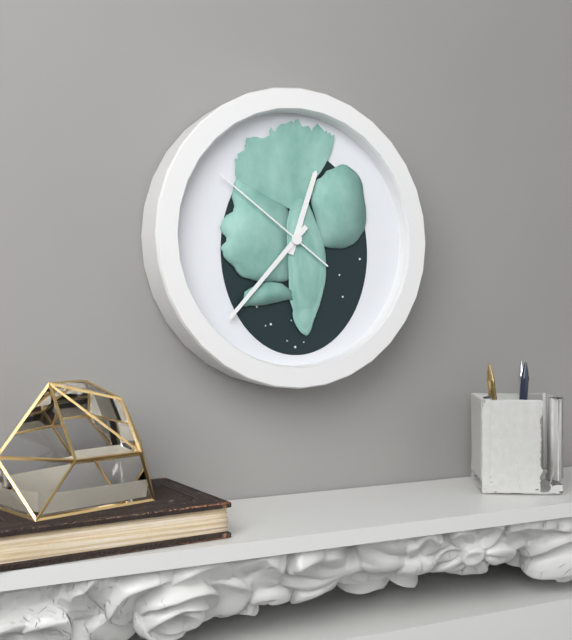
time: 12:37:51
